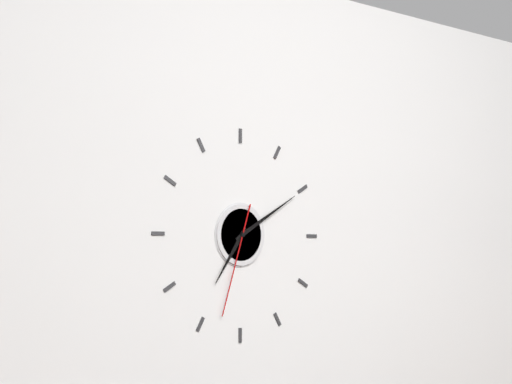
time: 7:10:33
